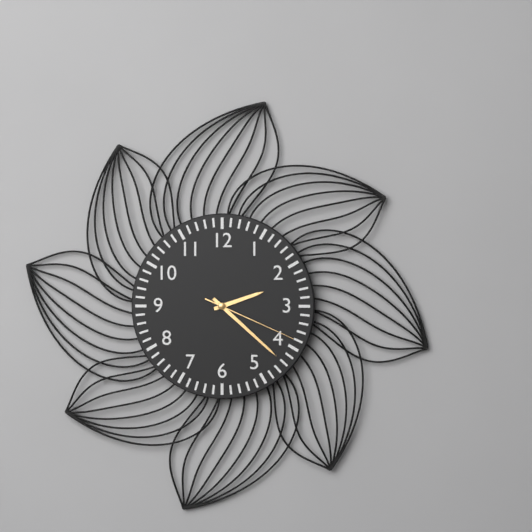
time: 2:22:19
